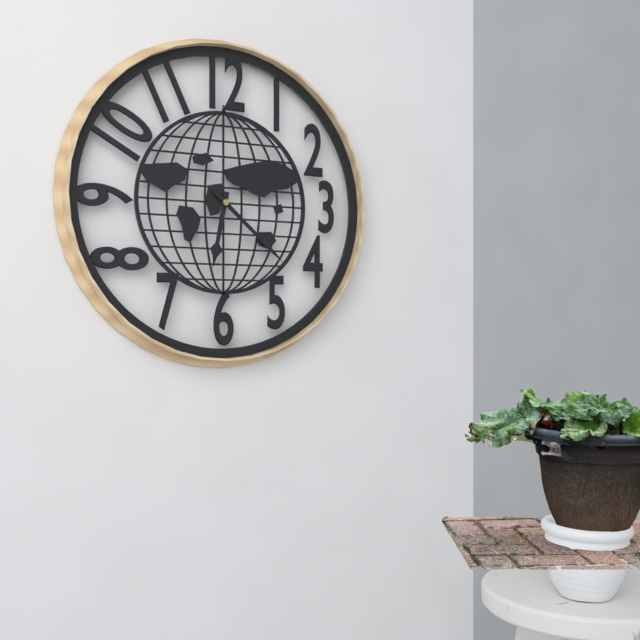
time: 6:22
